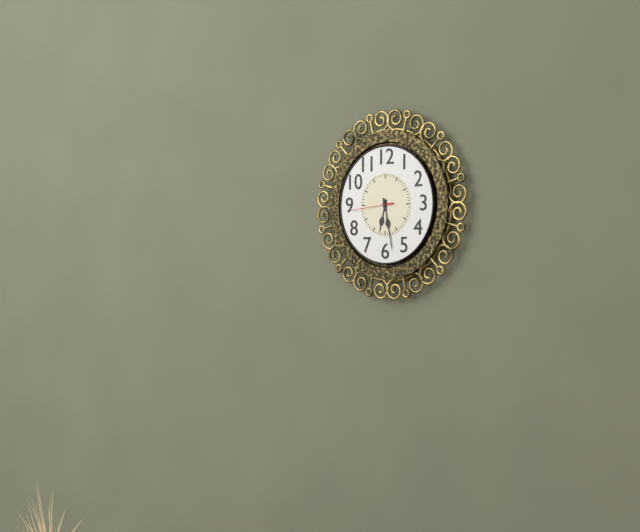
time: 6:28
